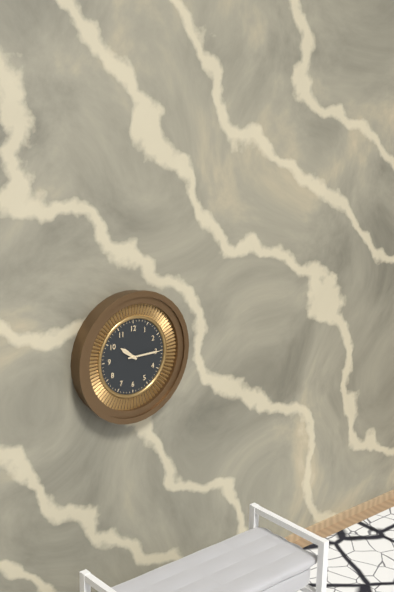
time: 10:15
